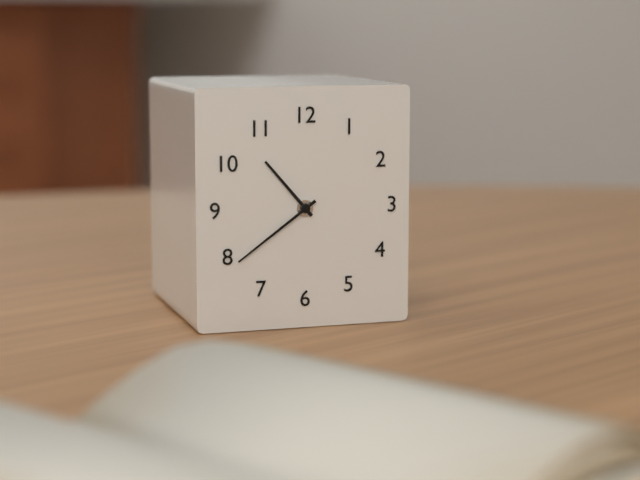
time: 10:39
